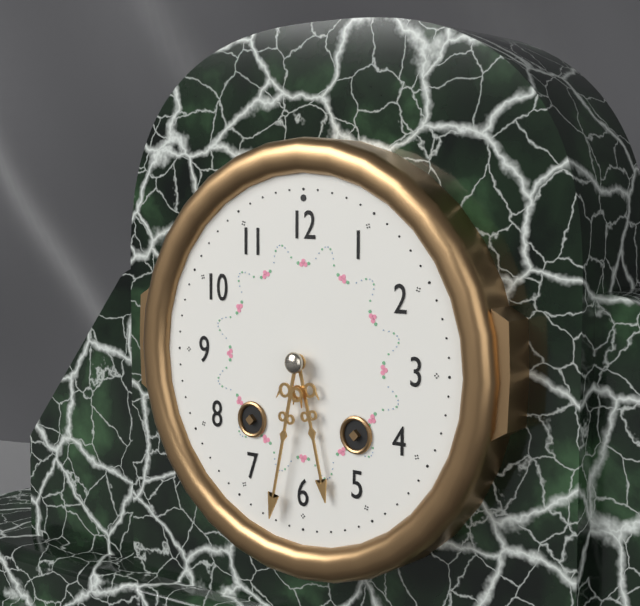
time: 5:32
